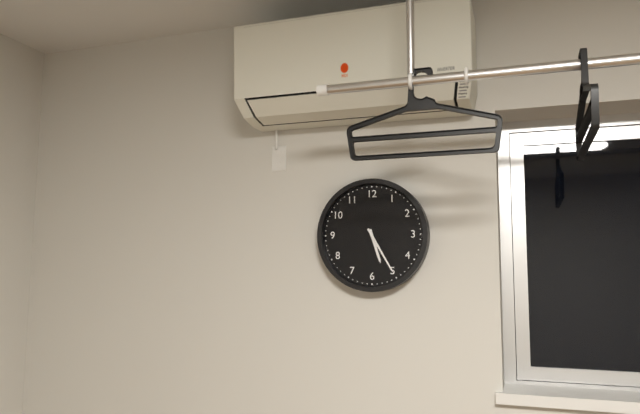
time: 5:25
